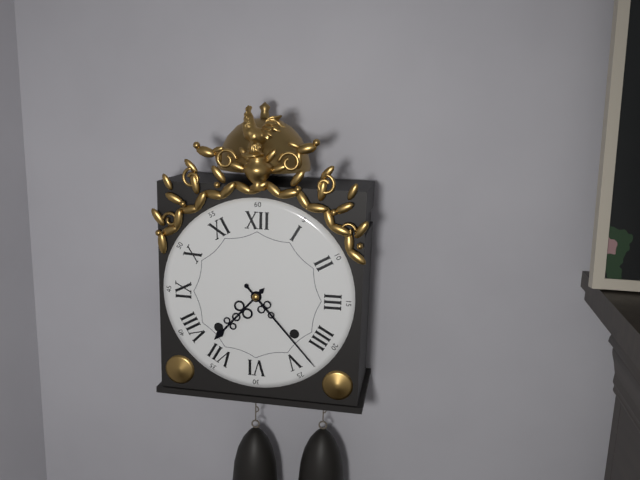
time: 7:23
